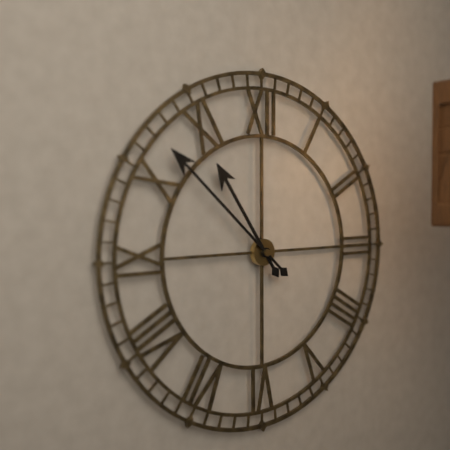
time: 10:52
